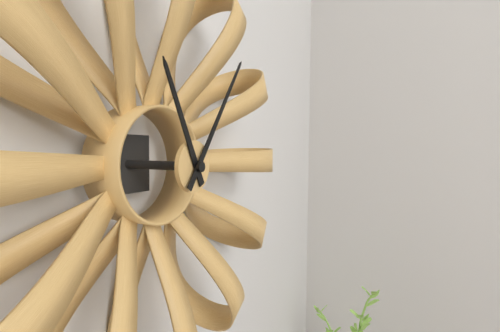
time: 11:06
